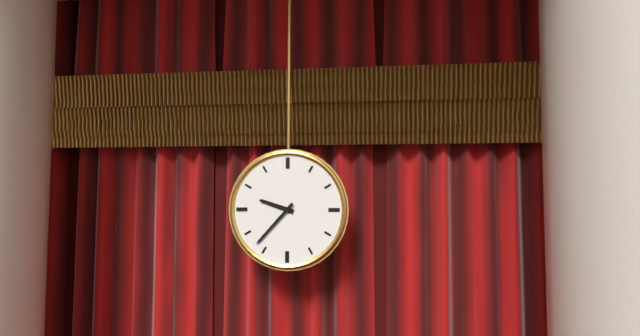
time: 9:37
